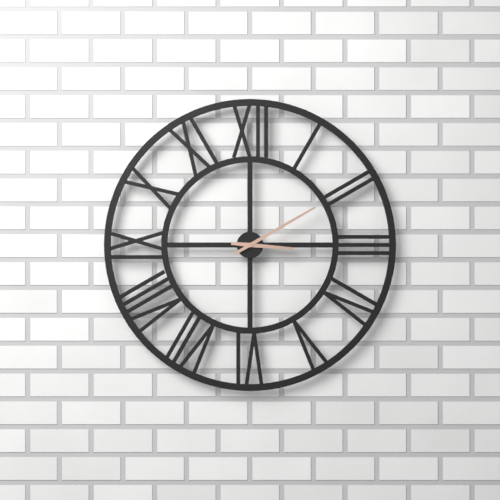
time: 3:10
